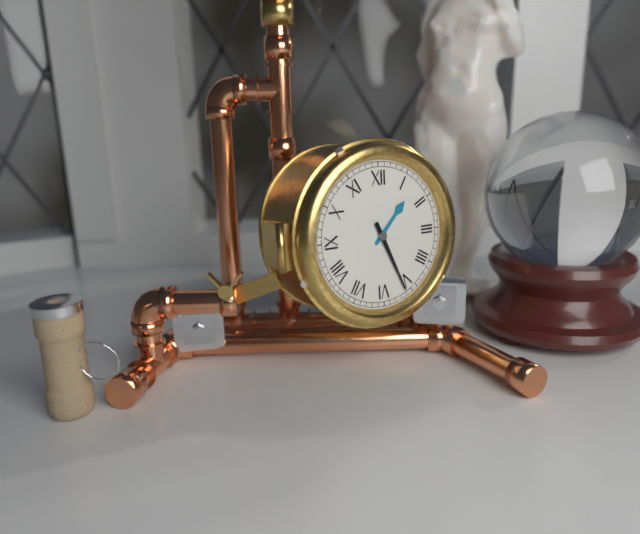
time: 1:26
